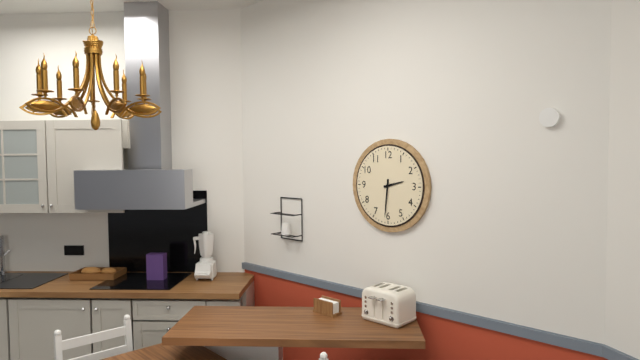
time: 2:31
